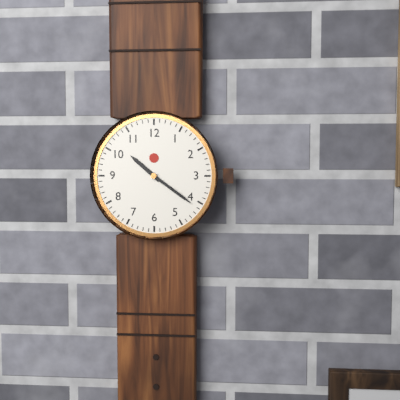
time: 10:21
